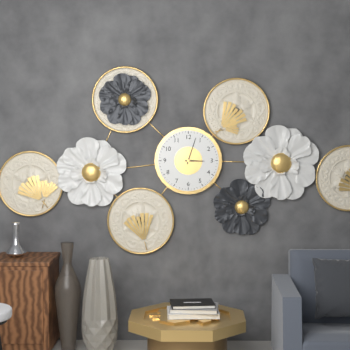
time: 3:03
